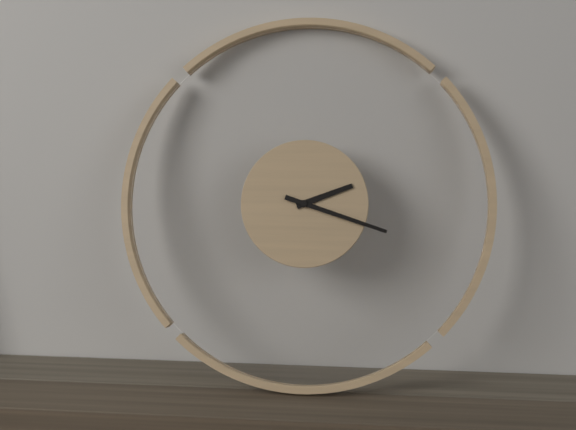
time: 2:18
